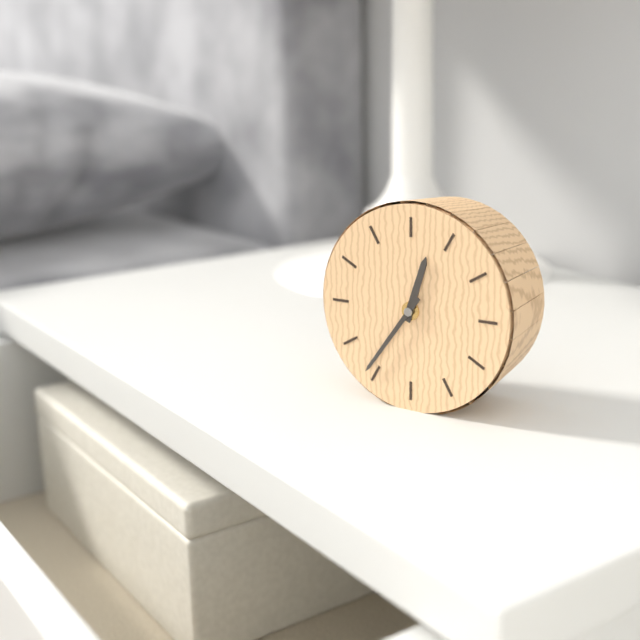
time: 12:36
